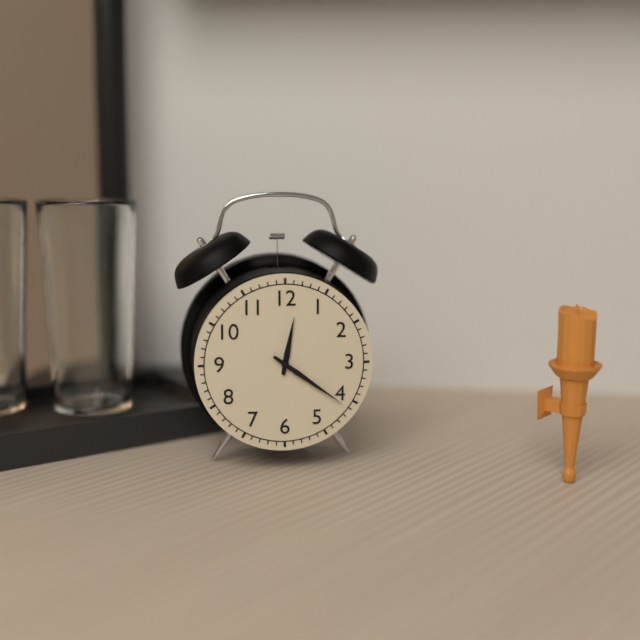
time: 12:21
